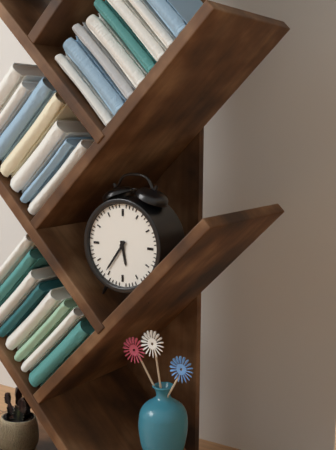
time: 5:36
